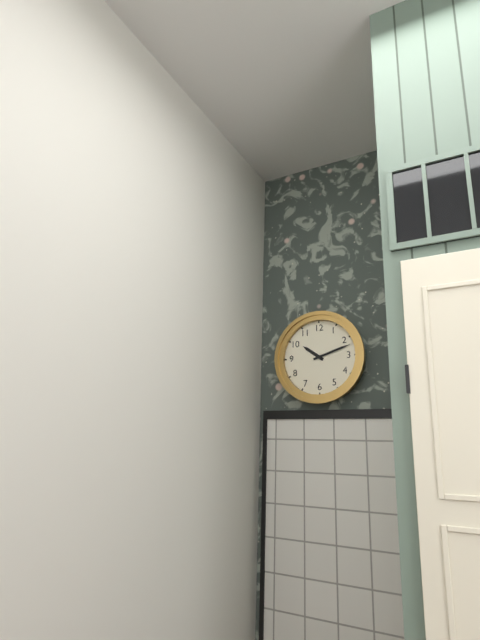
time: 10:12
